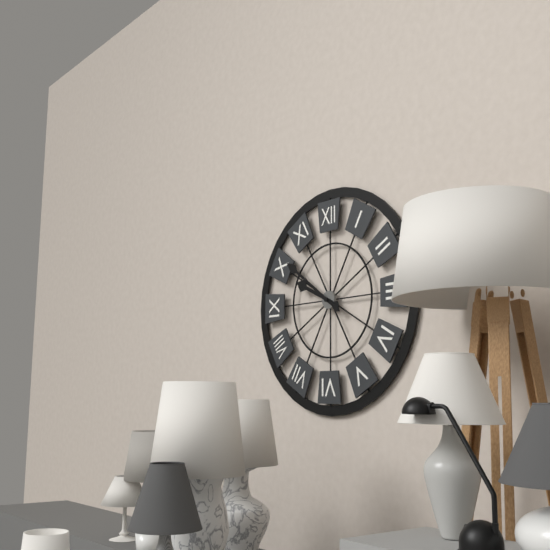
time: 9:51
